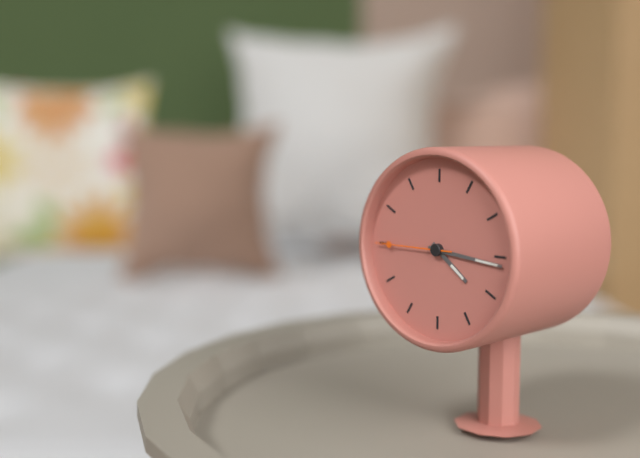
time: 4:16:45
